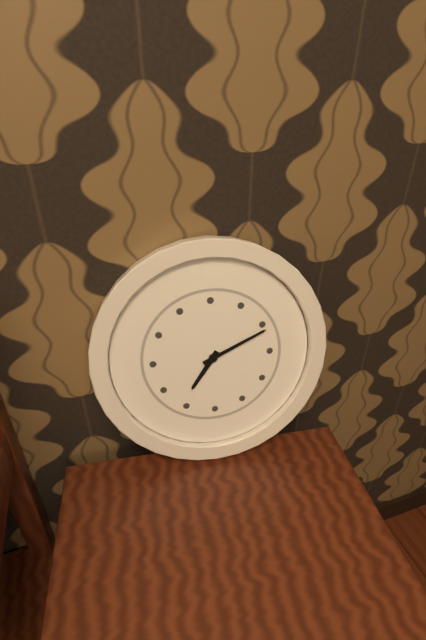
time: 7:11
